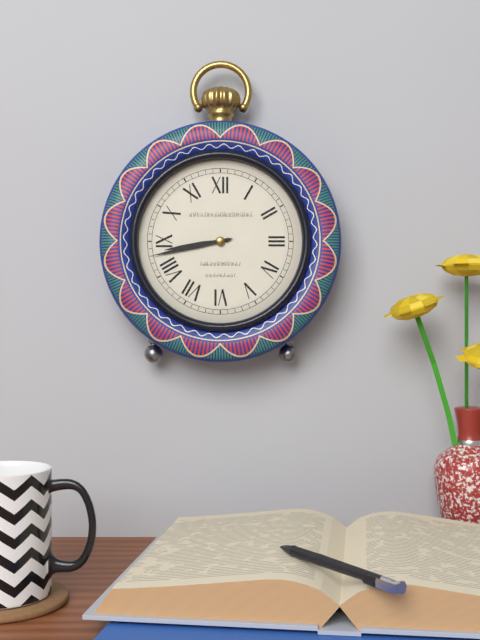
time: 8:43
